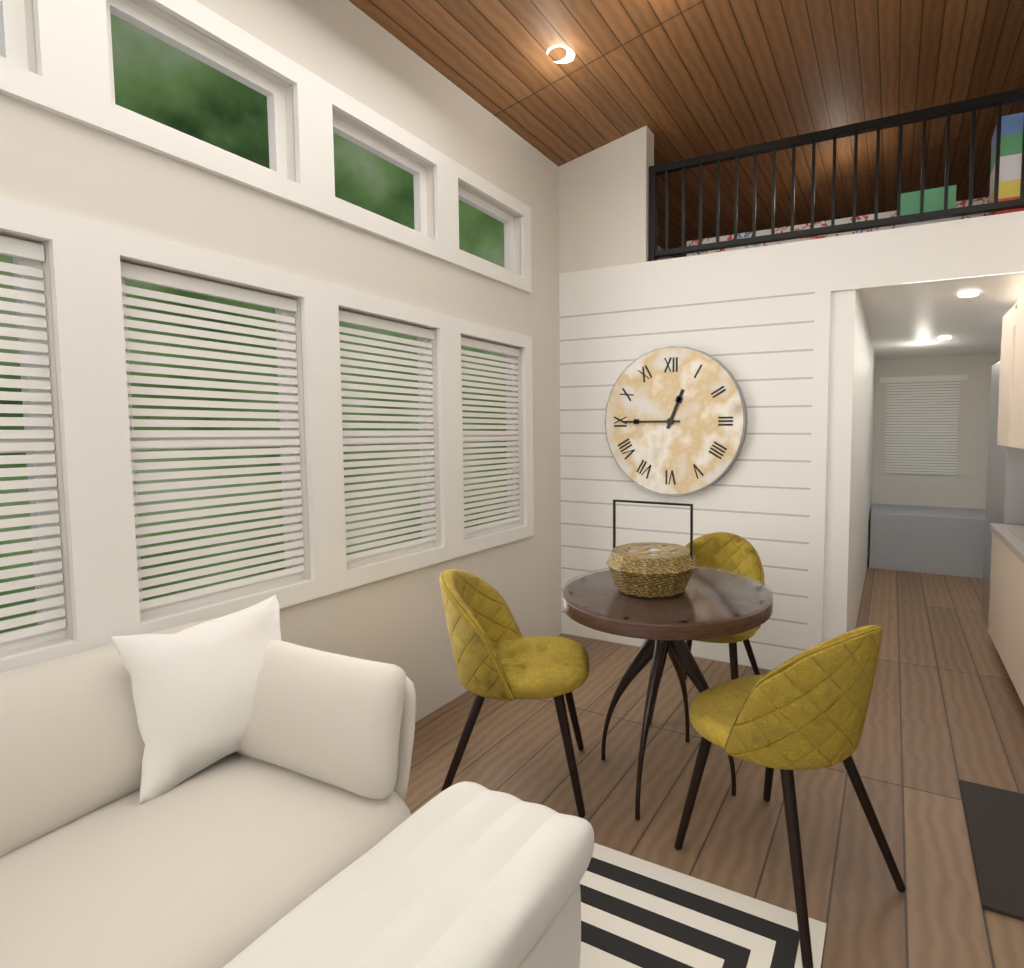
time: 12:45
